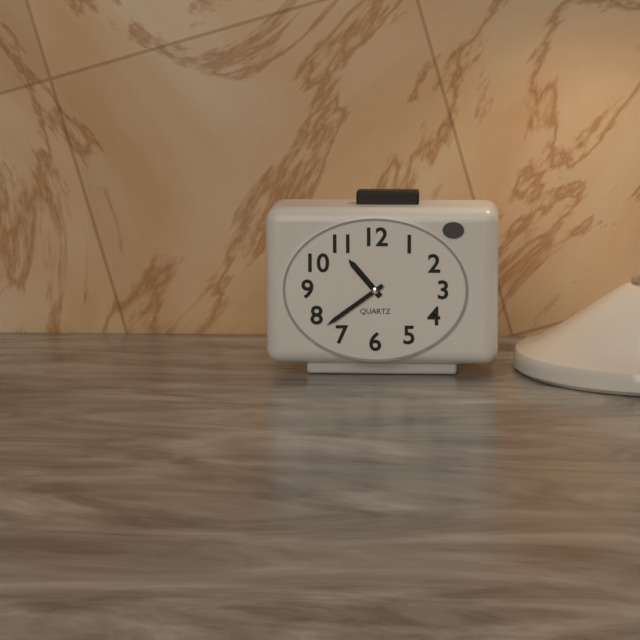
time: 10:39
